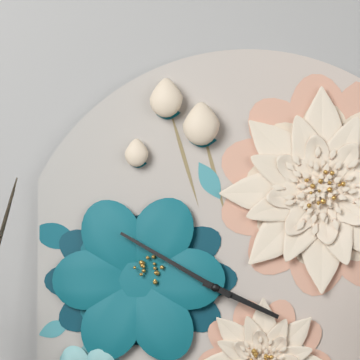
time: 3:50
